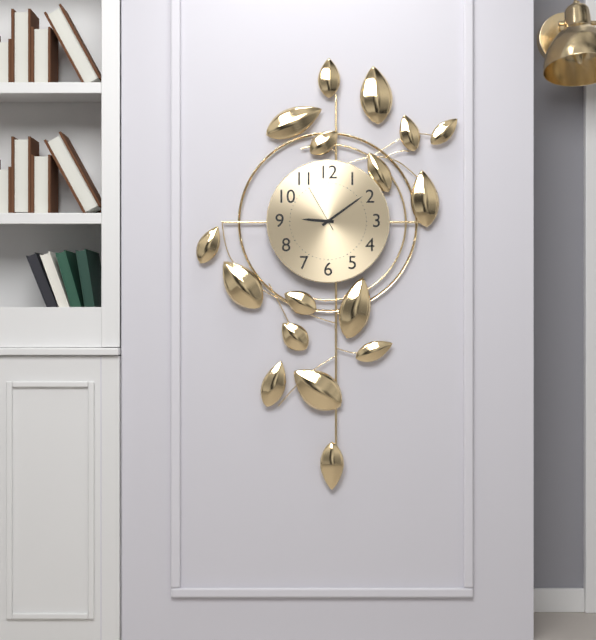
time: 9:09
